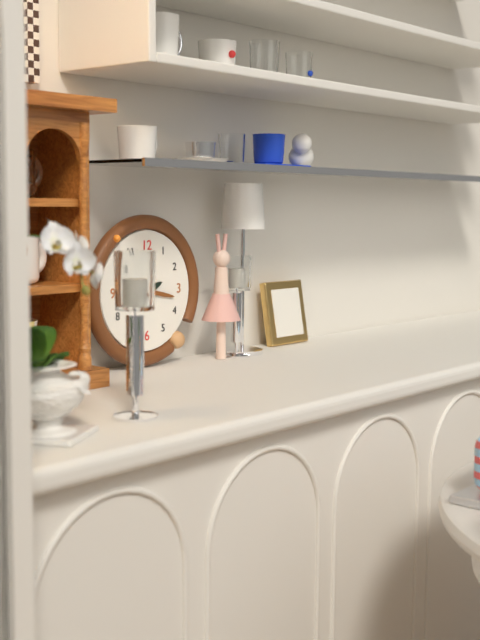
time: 2:17
